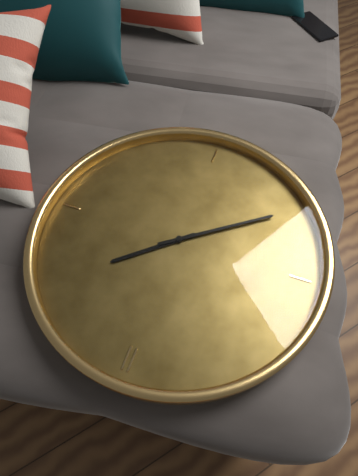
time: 1:39
